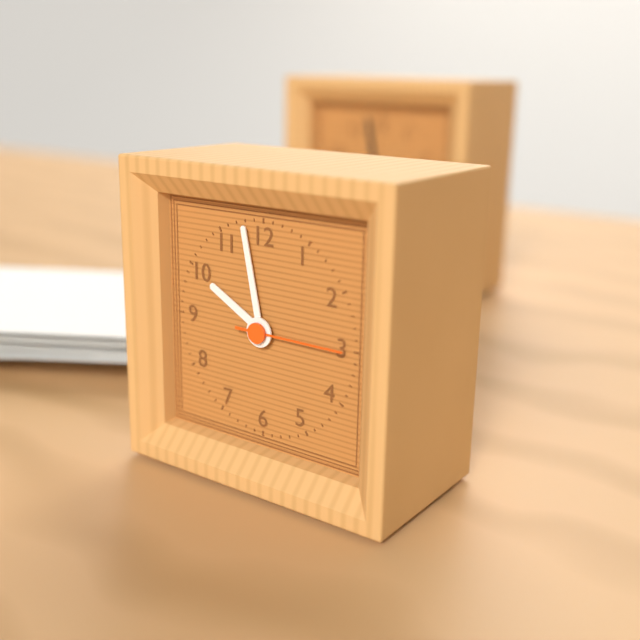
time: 9:58:15
